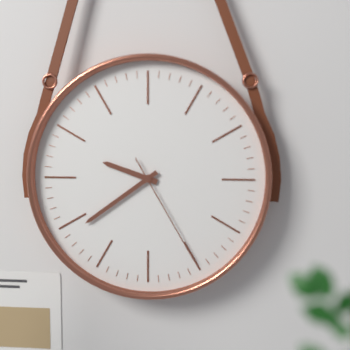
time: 9:39:25
